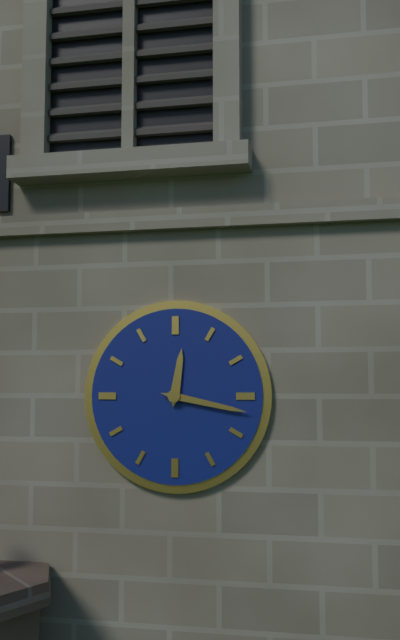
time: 12:17
